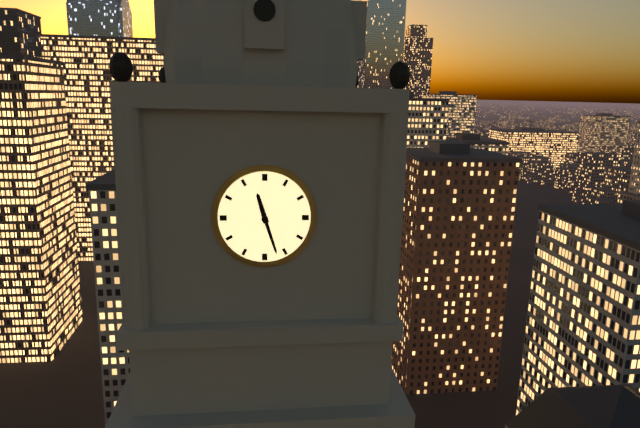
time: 11:27
